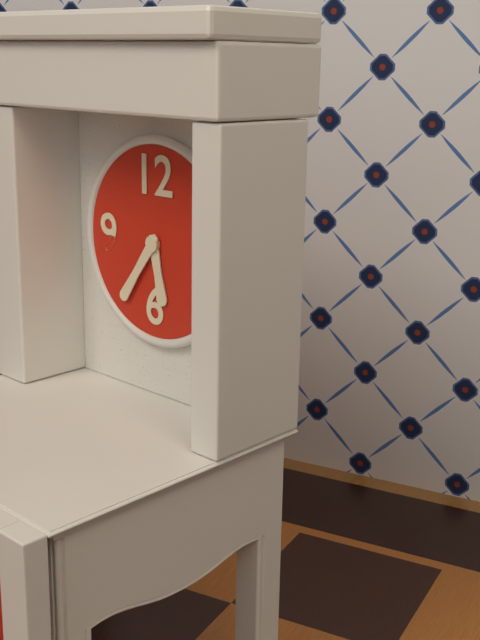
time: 5:36
